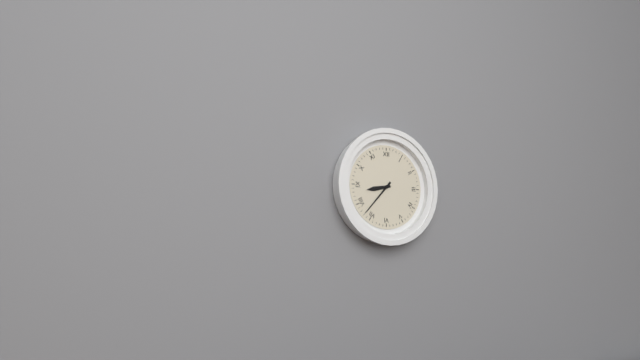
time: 8:37
